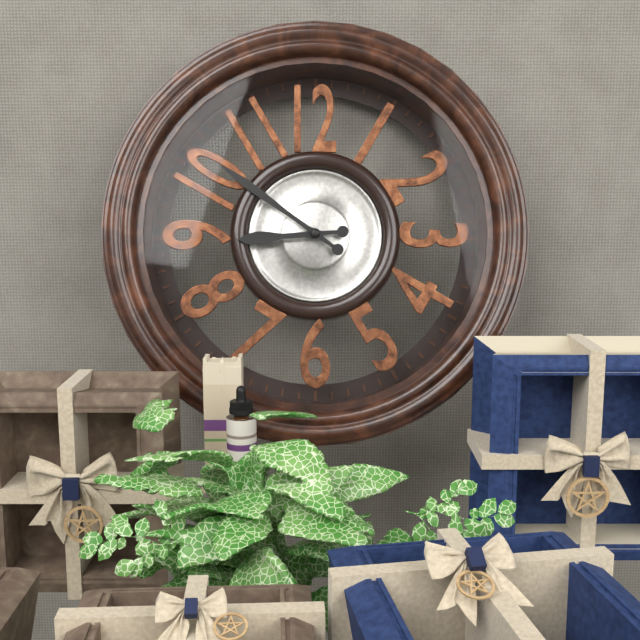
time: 8:51
